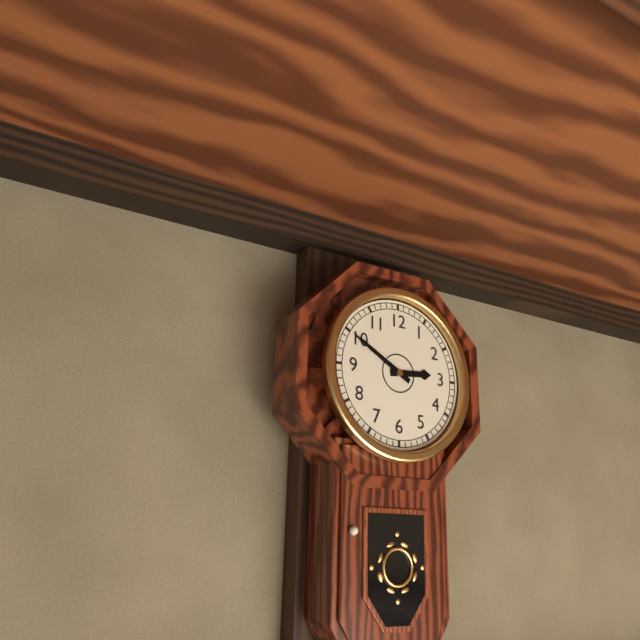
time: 2:50
